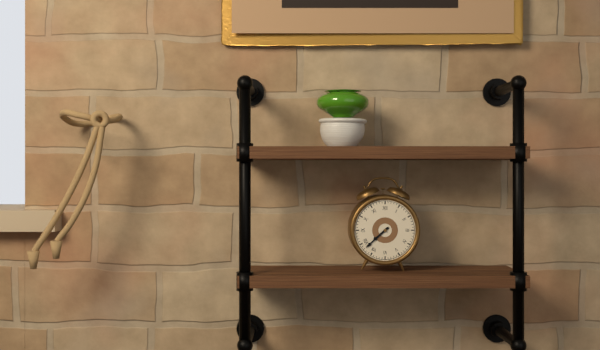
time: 7:38
